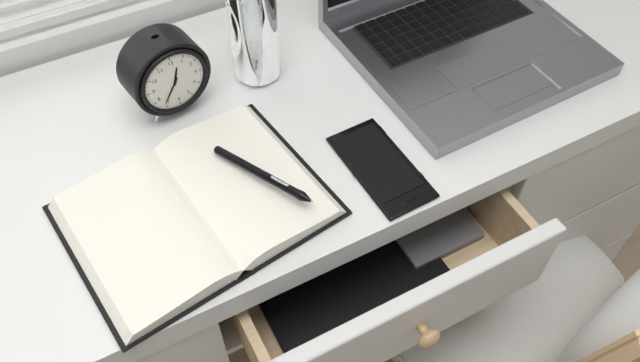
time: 12:36
